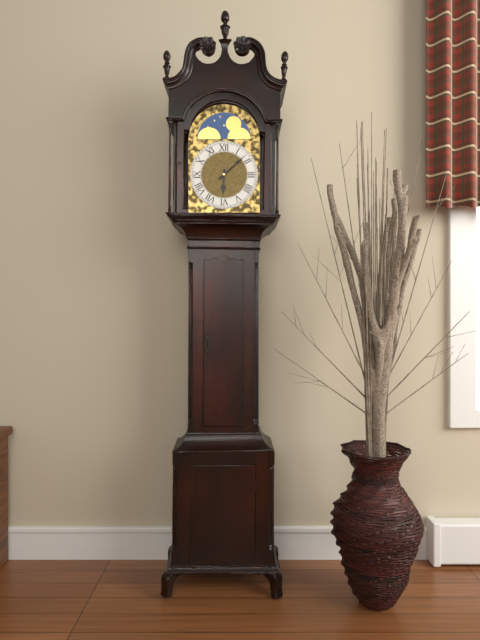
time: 6:08
